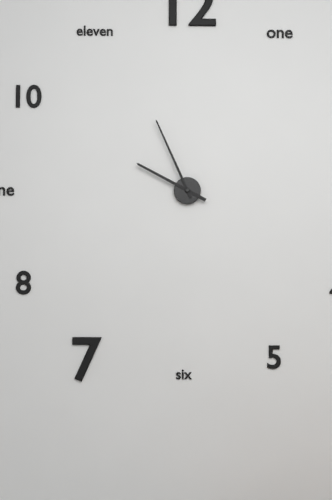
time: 9:56
